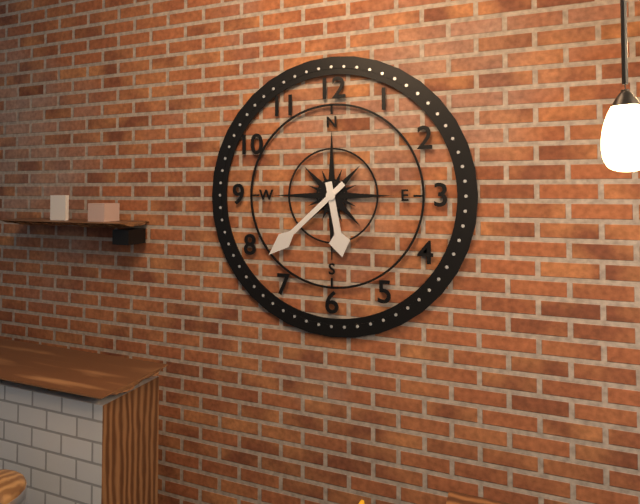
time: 5:38
